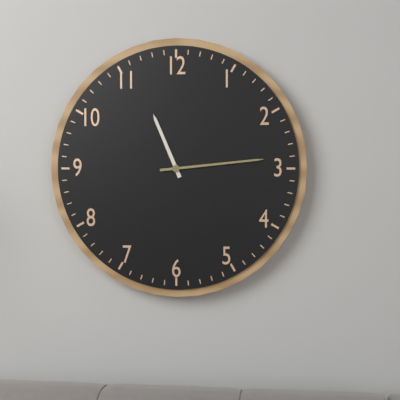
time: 11:14
